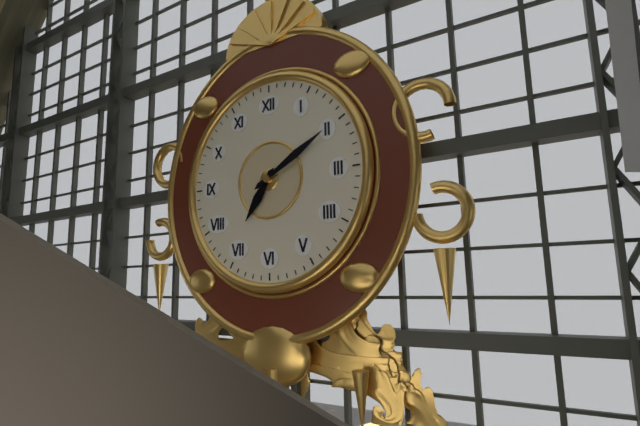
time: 7:10
